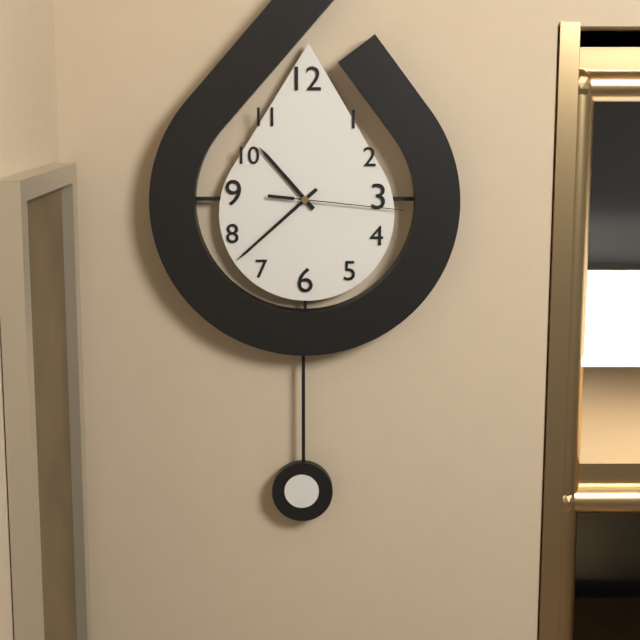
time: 10:38:16
